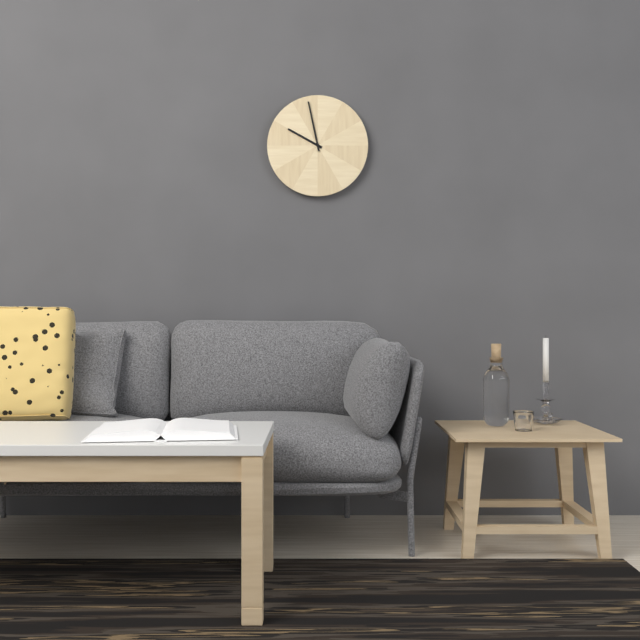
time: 9:58
